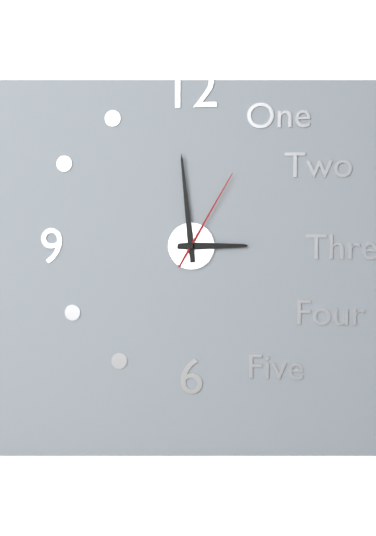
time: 2:59:05
